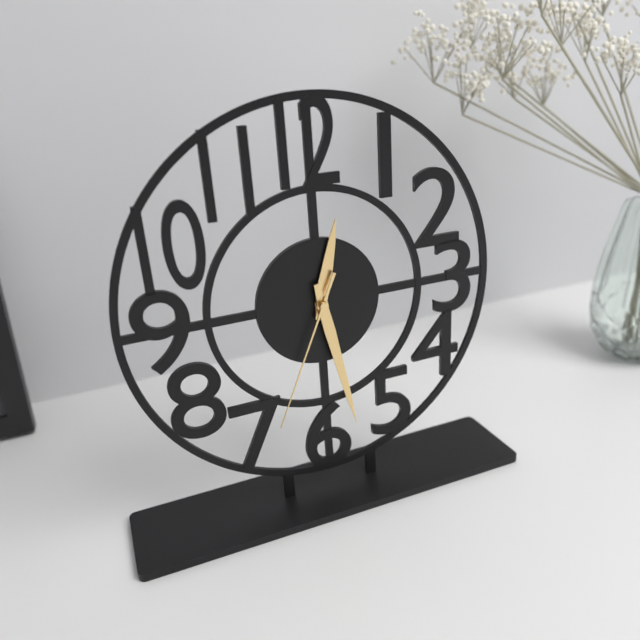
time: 12:28:34
